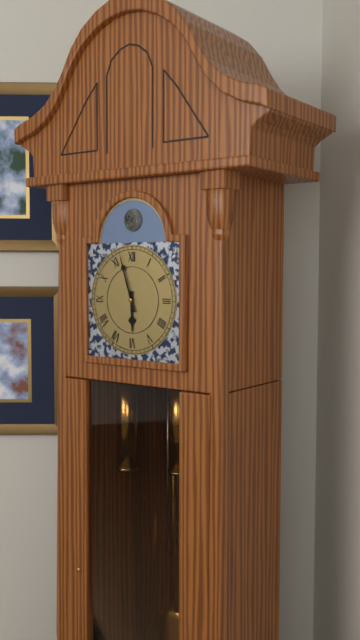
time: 5:57
